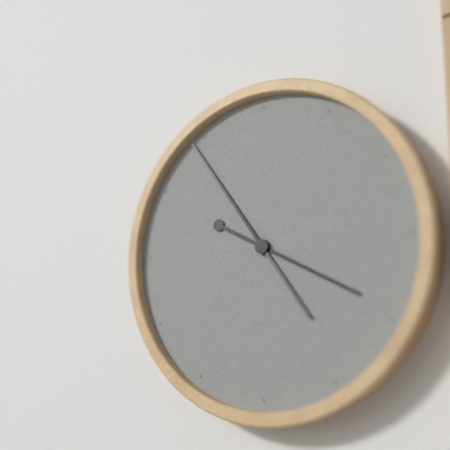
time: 3:54
